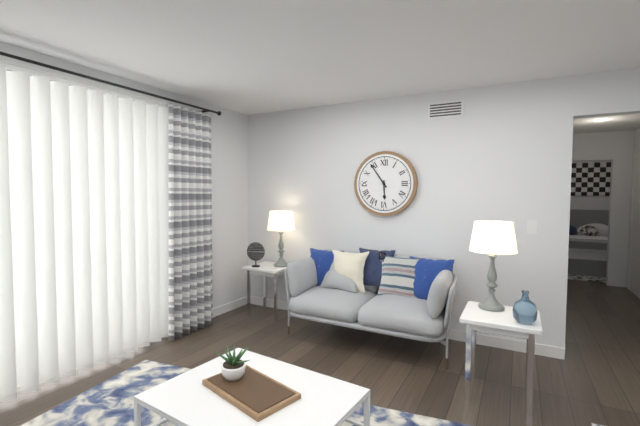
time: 5:54
